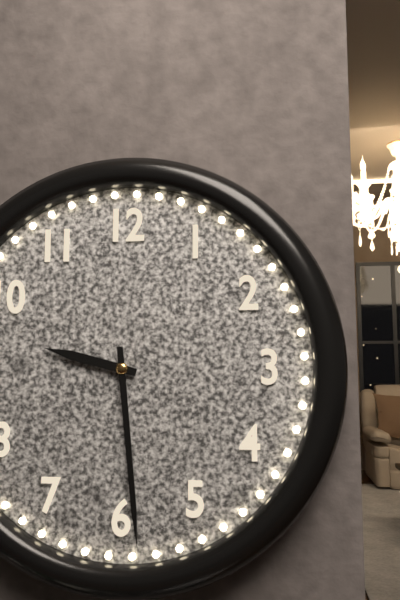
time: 9:29
